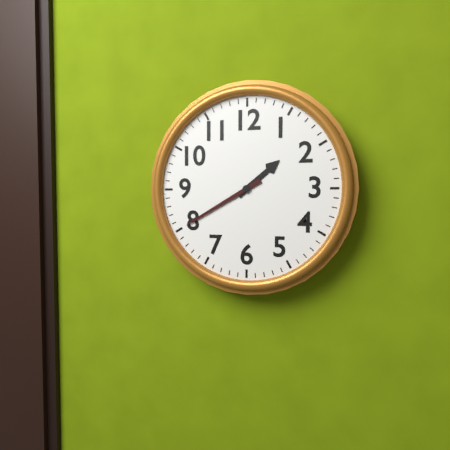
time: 1:40
